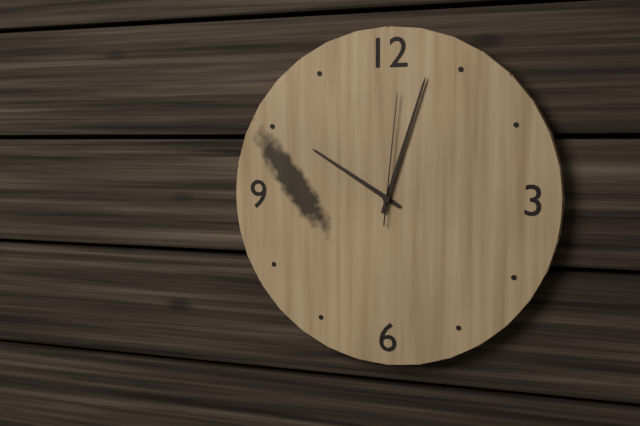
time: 10:03:01
